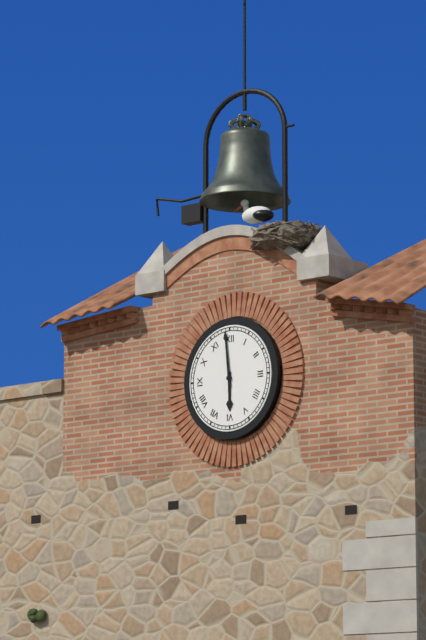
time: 5:59
